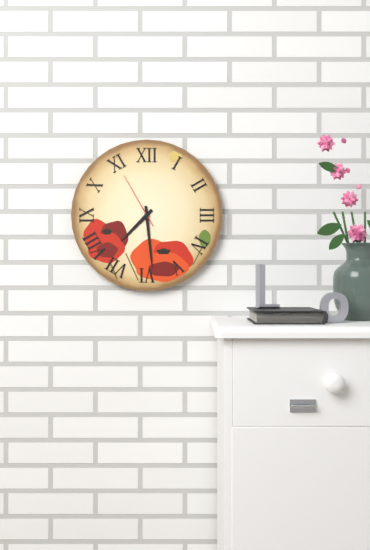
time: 7:29:55
